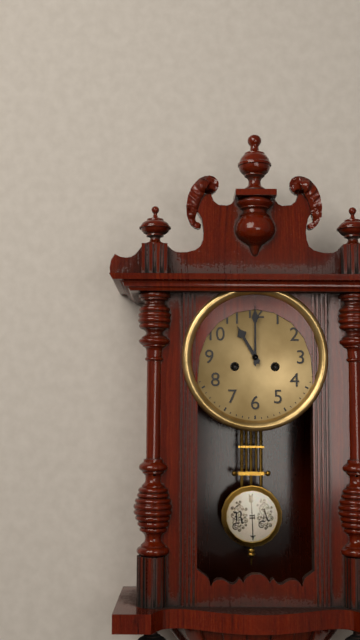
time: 11:00
